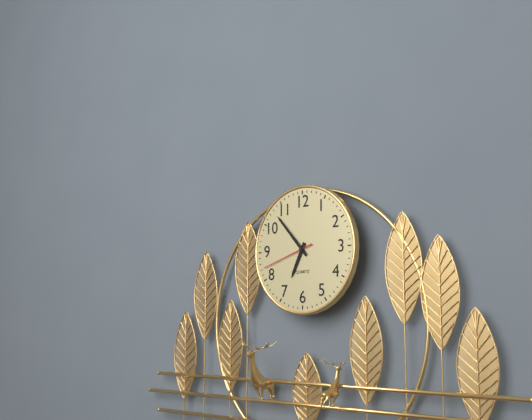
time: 6:53:42
